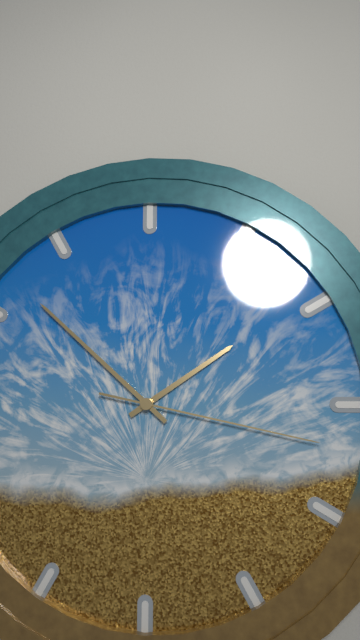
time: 1:52:17
